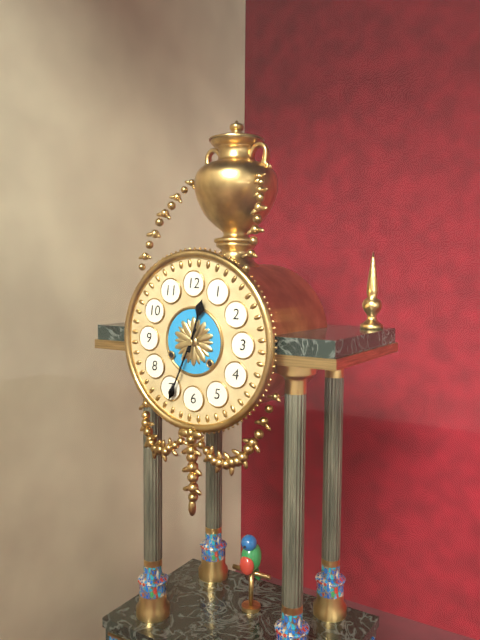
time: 12:34
